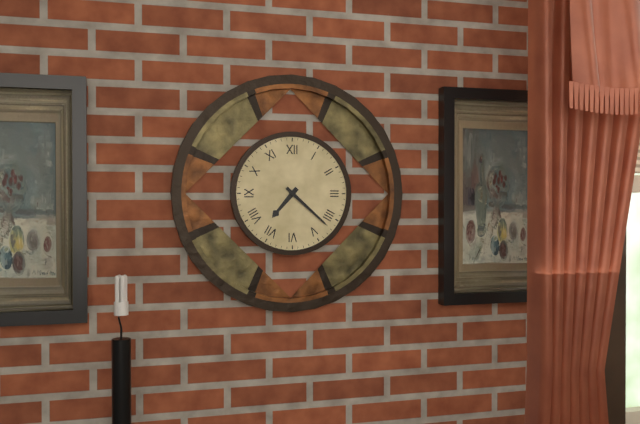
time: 7:22
